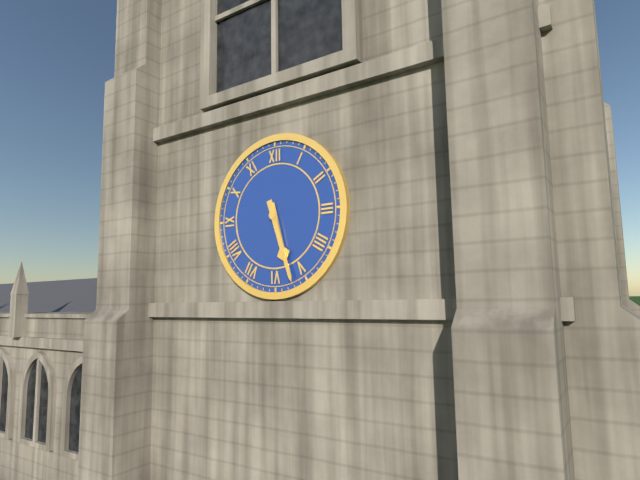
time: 5:27
